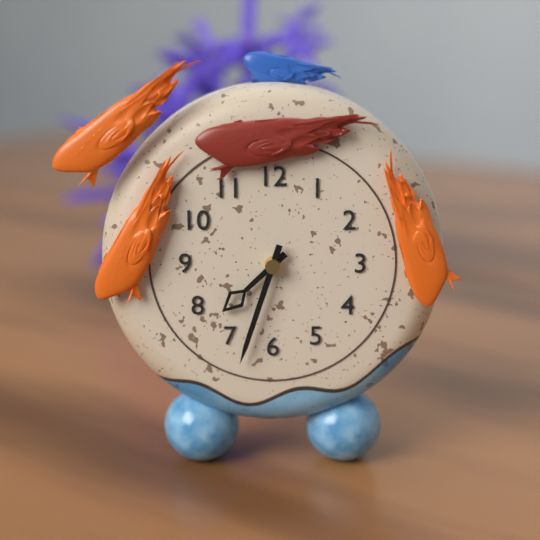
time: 7:33
